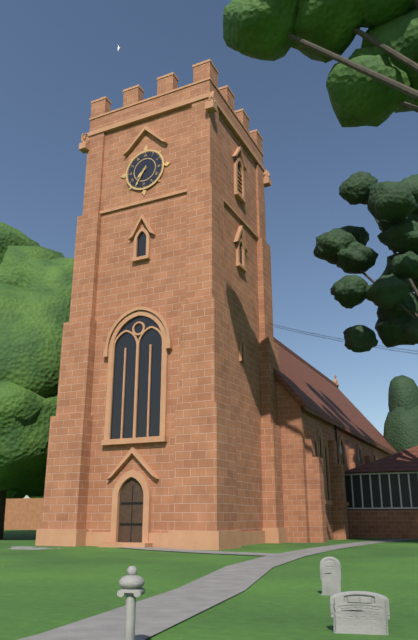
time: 7:35
